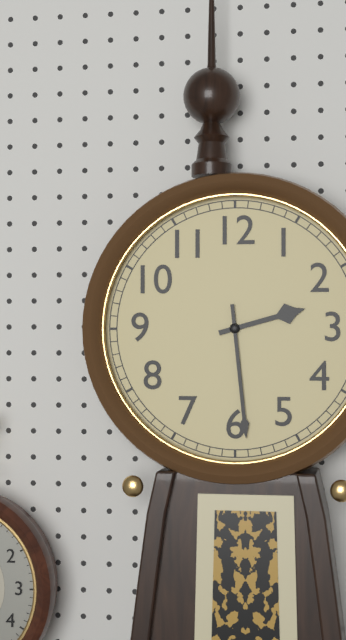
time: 2:29
